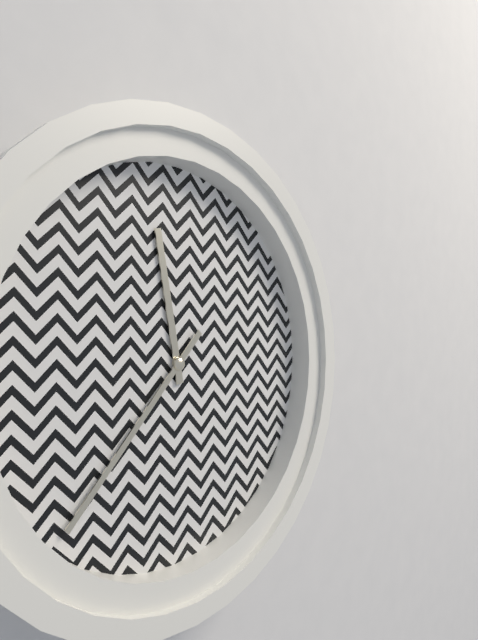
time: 11:37
